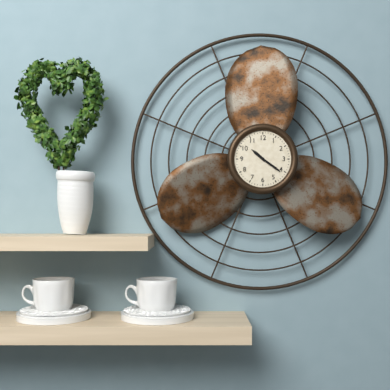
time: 10:21
